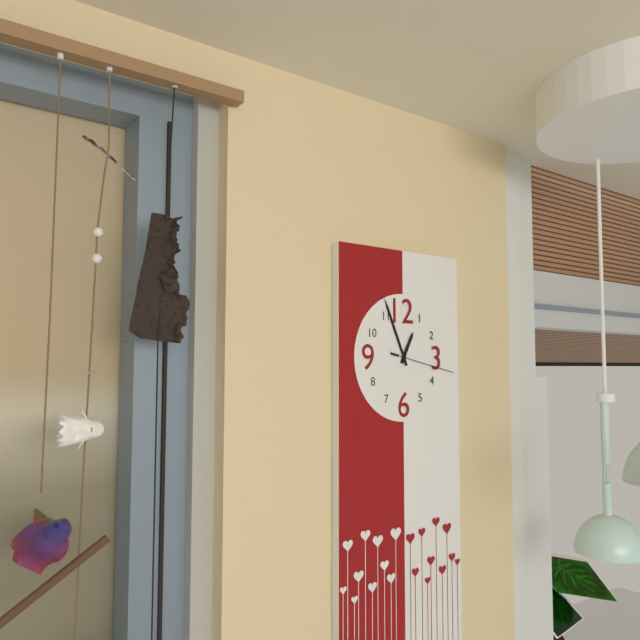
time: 12:56:17
